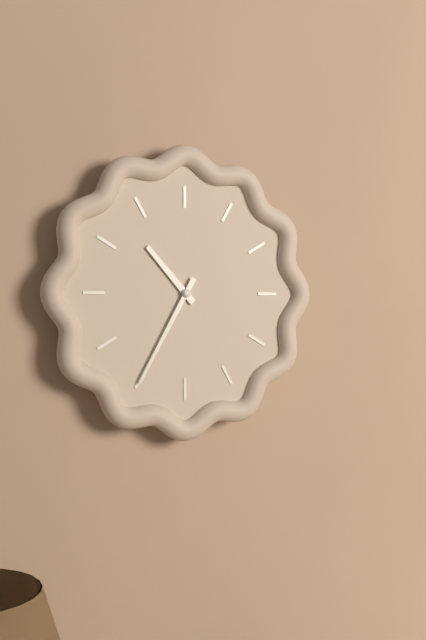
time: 10:35
